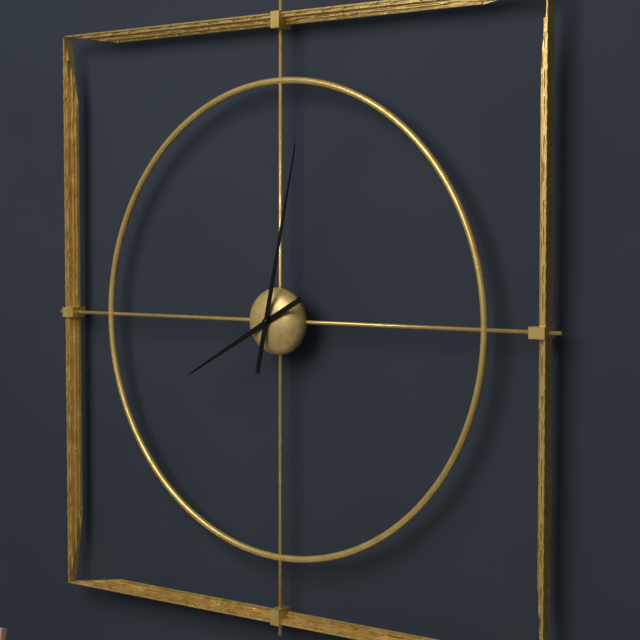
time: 8:02
